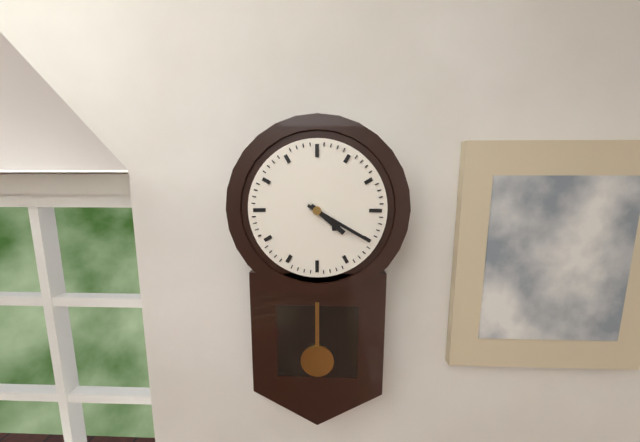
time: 4:20
